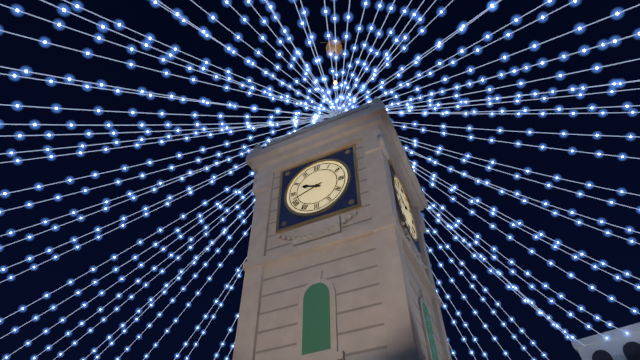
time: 9:42
